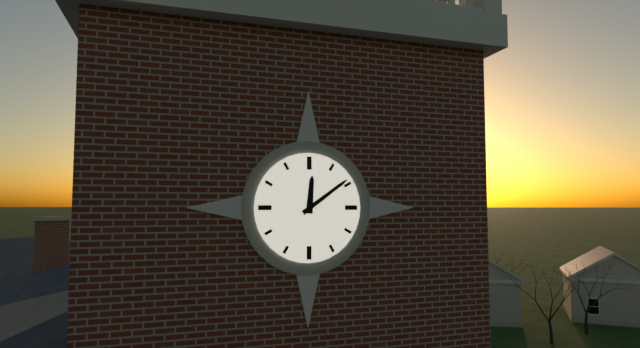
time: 12:09
